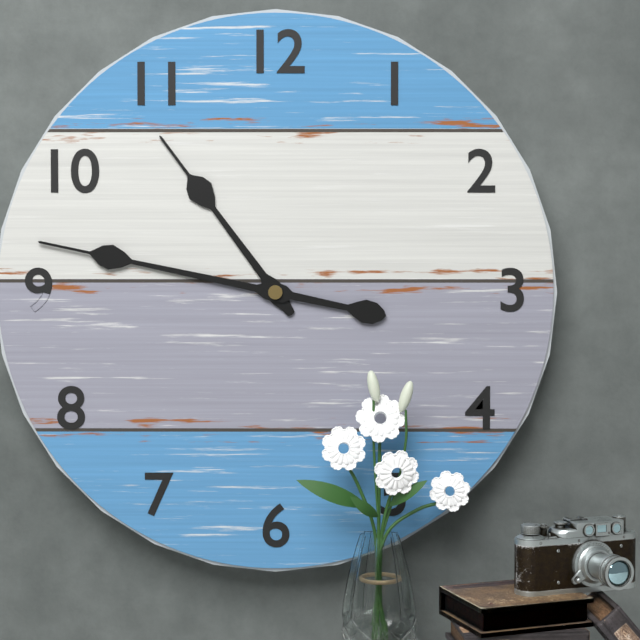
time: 10:47
